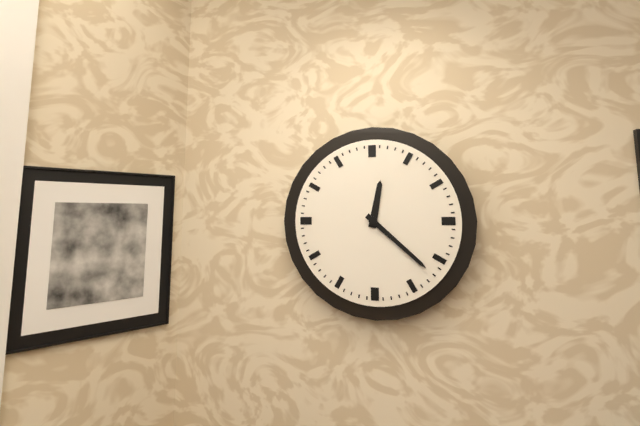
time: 12:22
